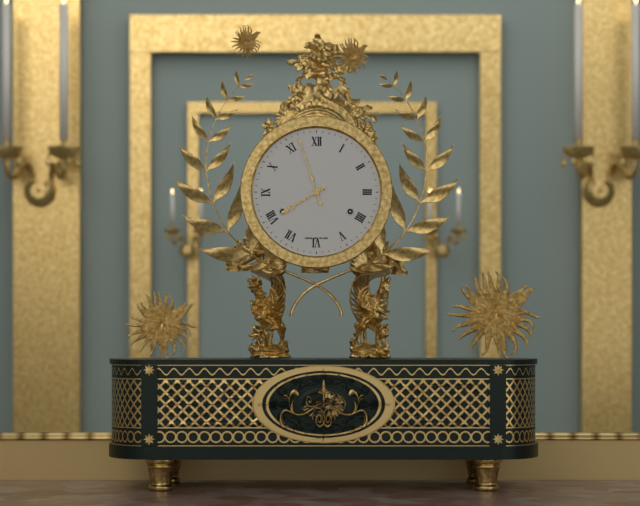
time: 7:57
